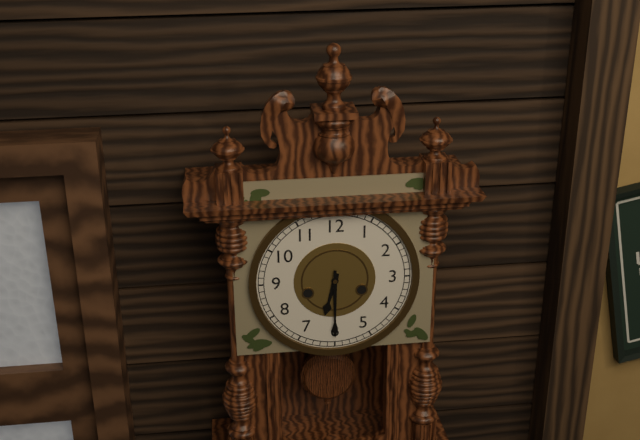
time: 6:30
